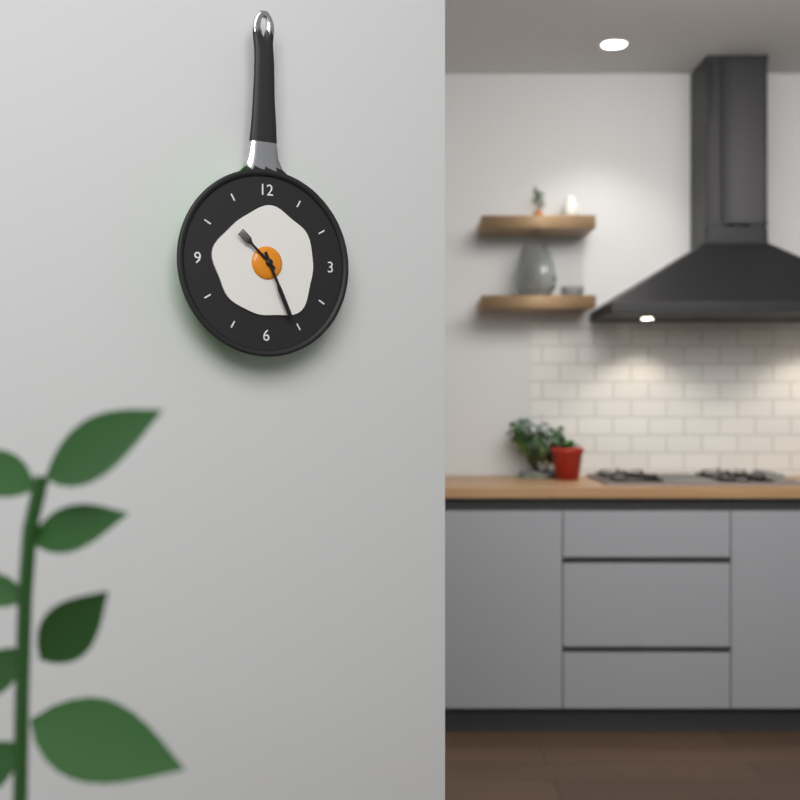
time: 10:26
